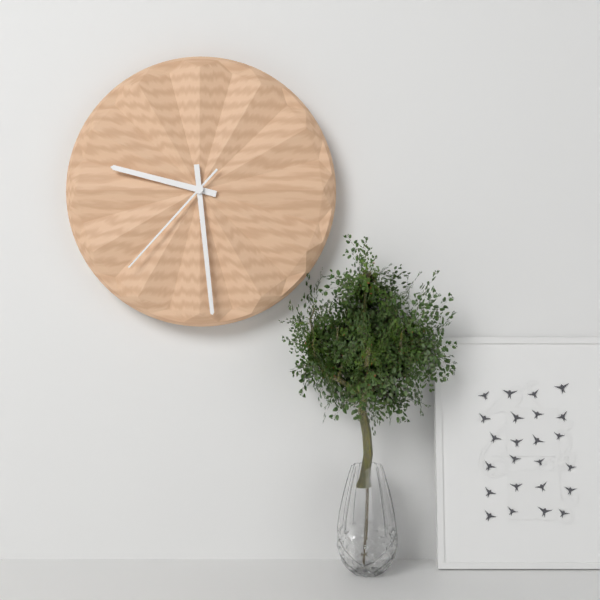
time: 9:29:37
